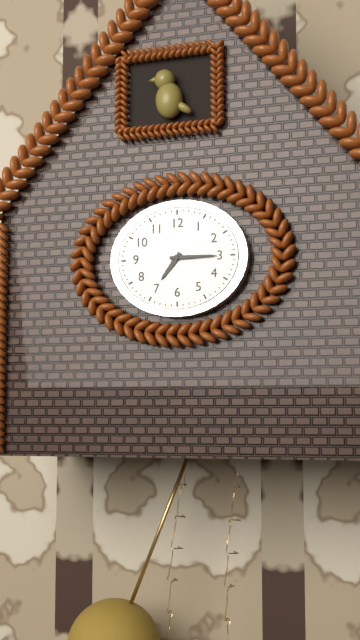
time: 7:15
